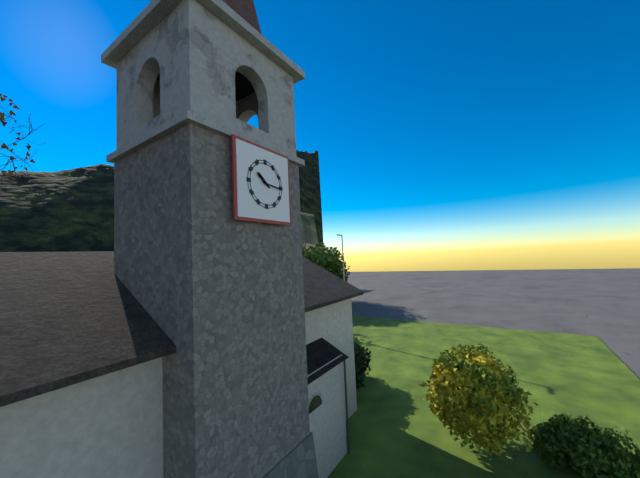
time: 10:16
